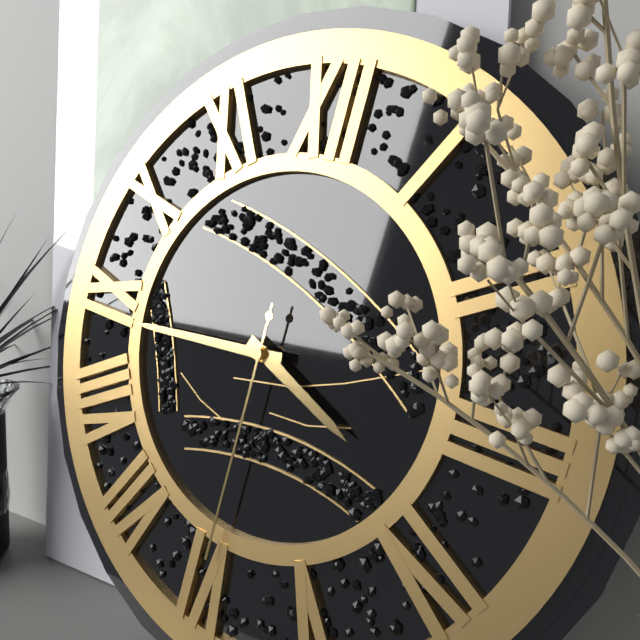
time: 3:44:30
